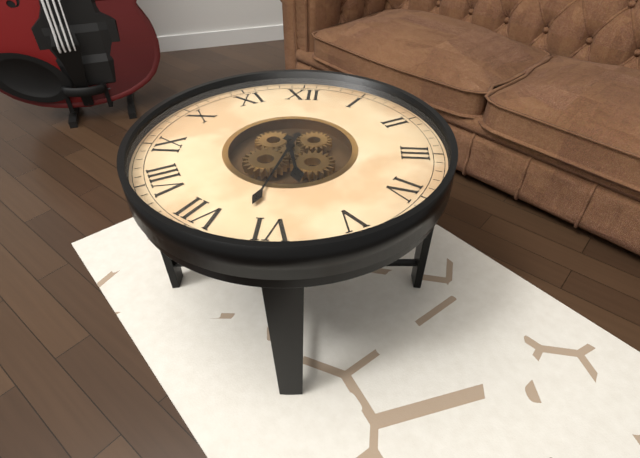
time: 5:32
